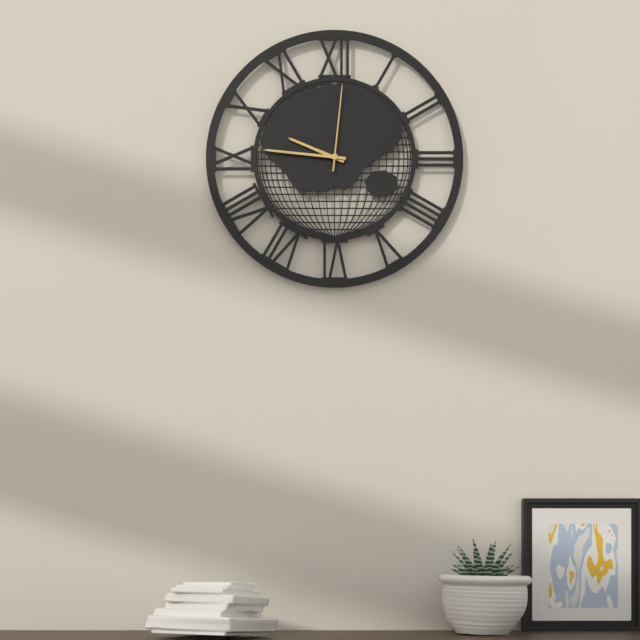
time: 9:46:01
